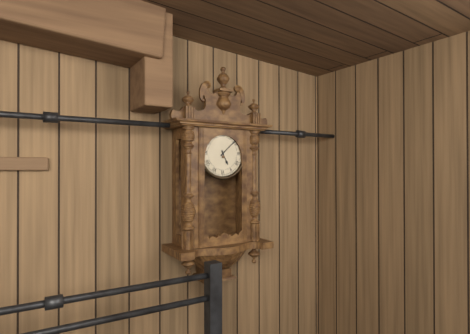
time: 5:08
